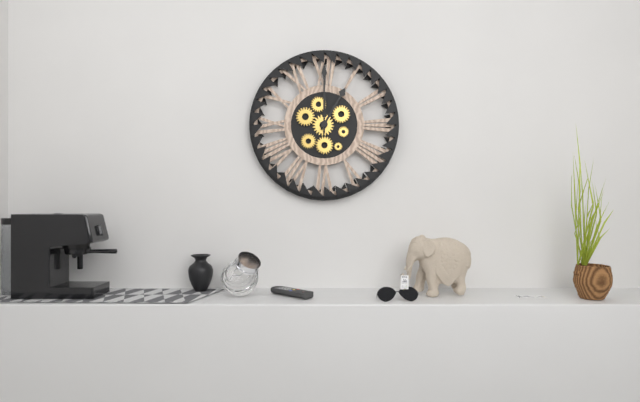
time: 1:00
